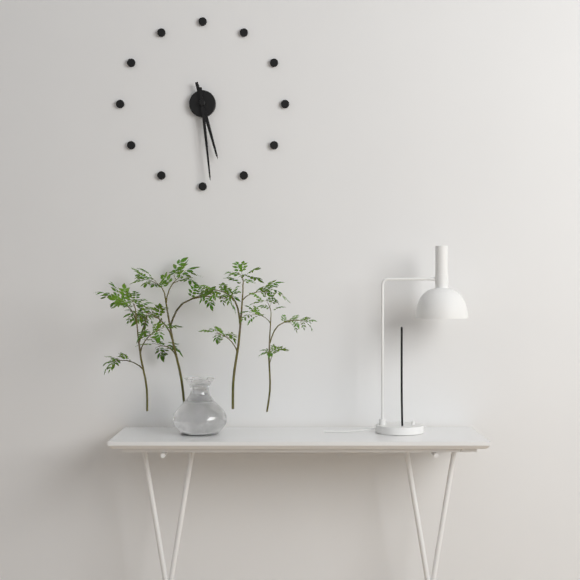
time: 5:29
